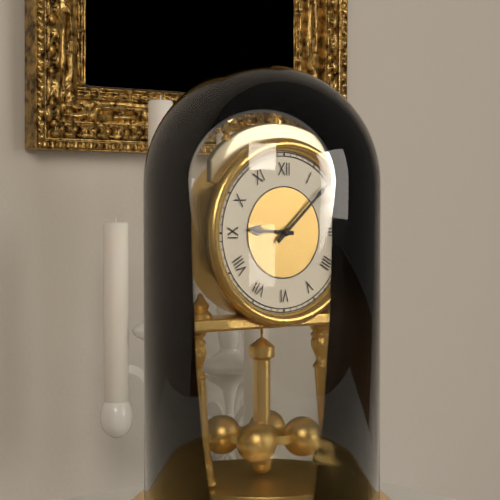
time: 9:08
